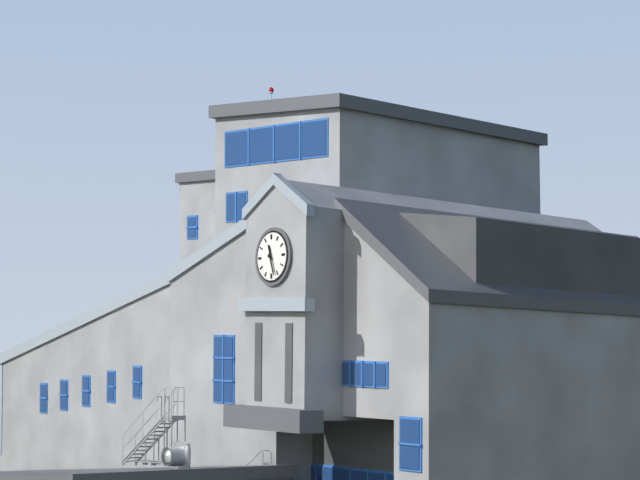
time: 11:27
